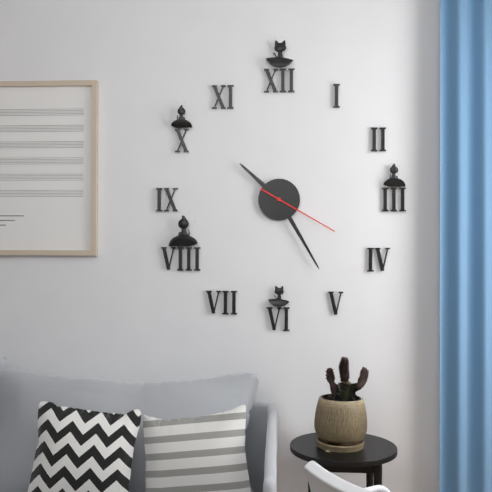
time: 10:25:20
